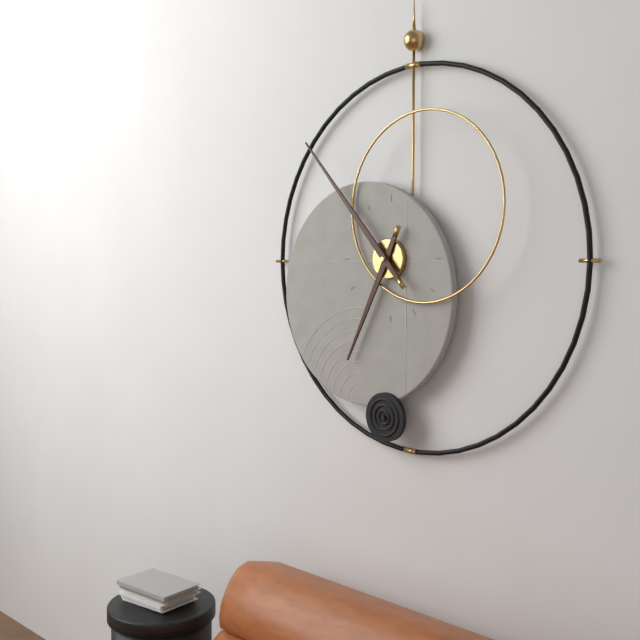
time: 6:53
